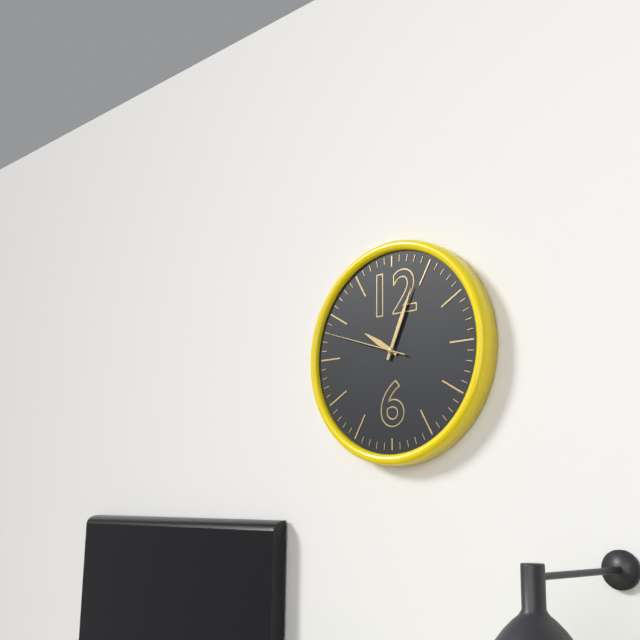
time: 10:04:48
